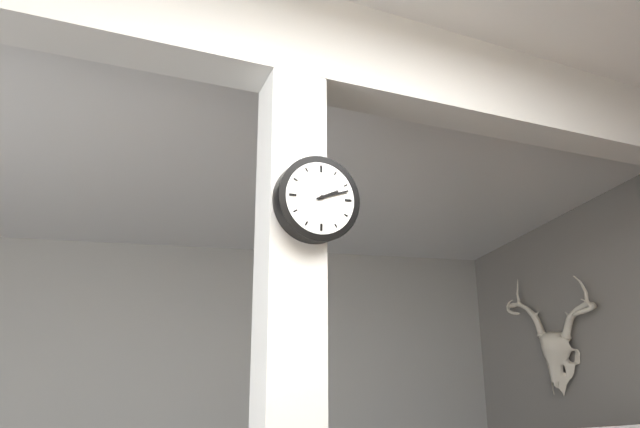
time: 2:12
